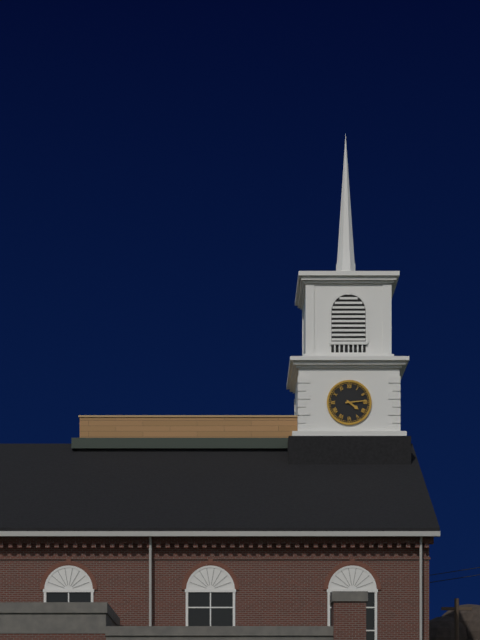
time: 4:14
